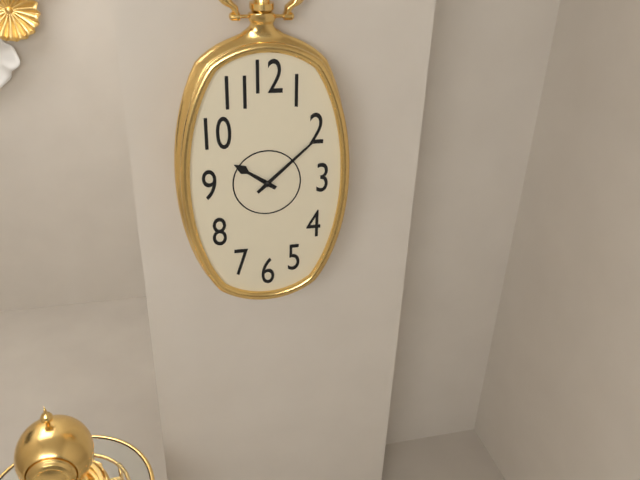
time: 10:08
